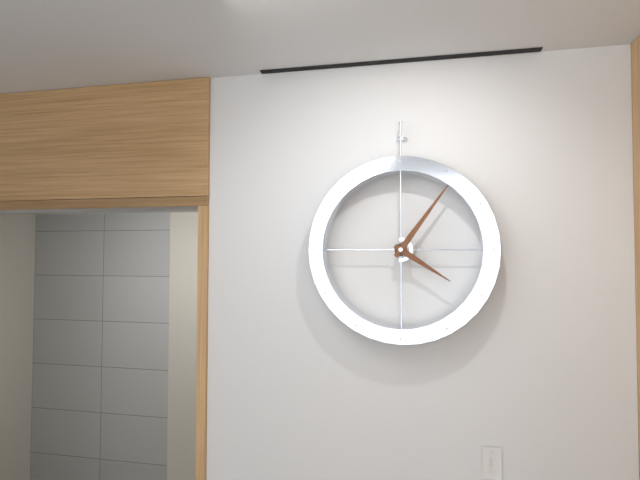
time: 4:06
